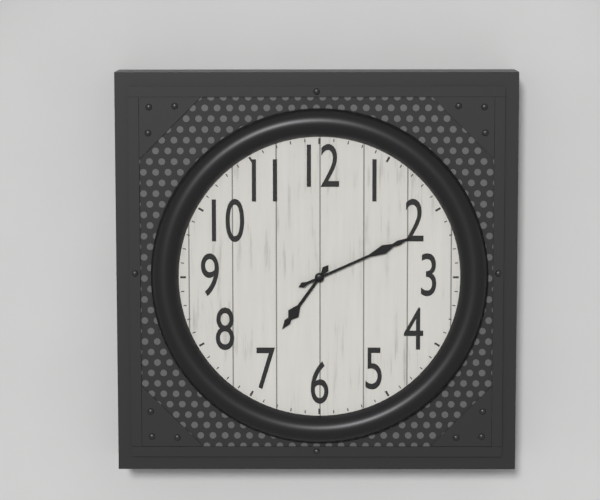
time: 7:11
